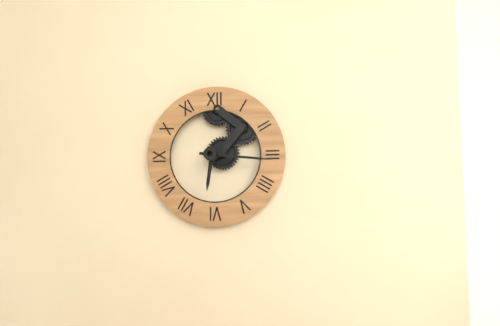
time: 6:16
